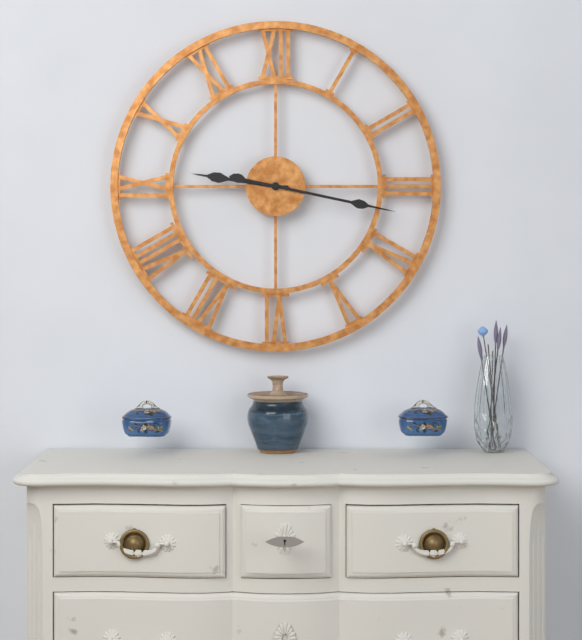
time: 9:17
